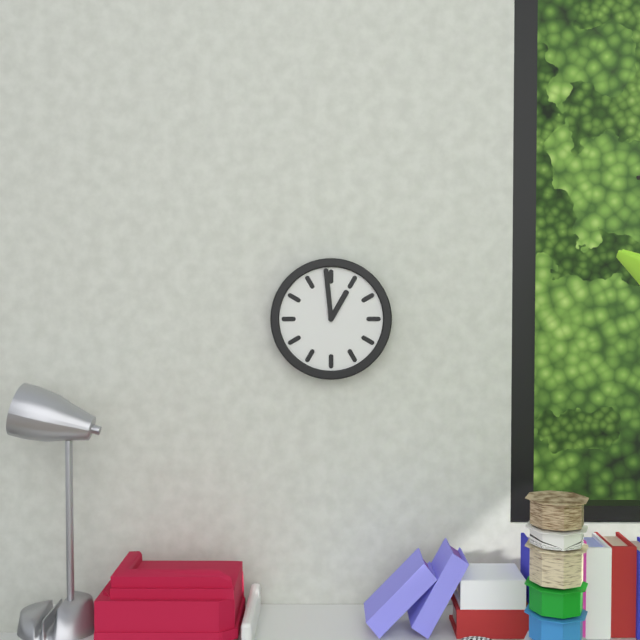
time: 12:59
